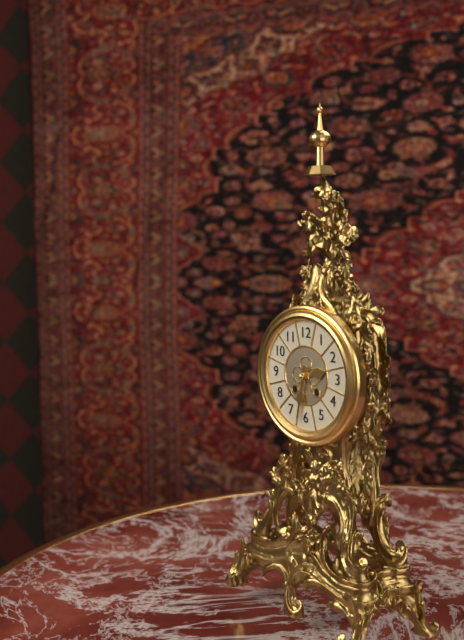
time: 2:32
